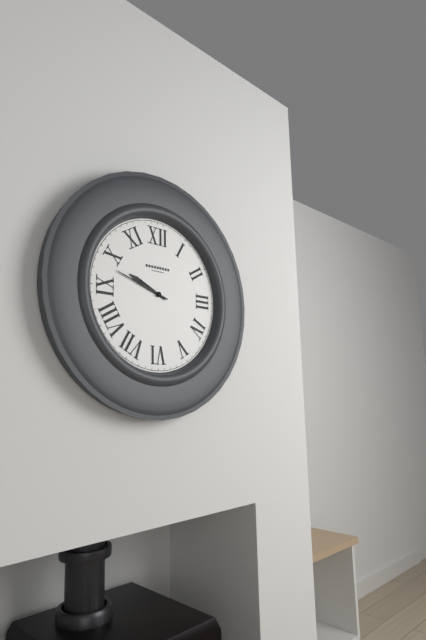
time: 9:48
